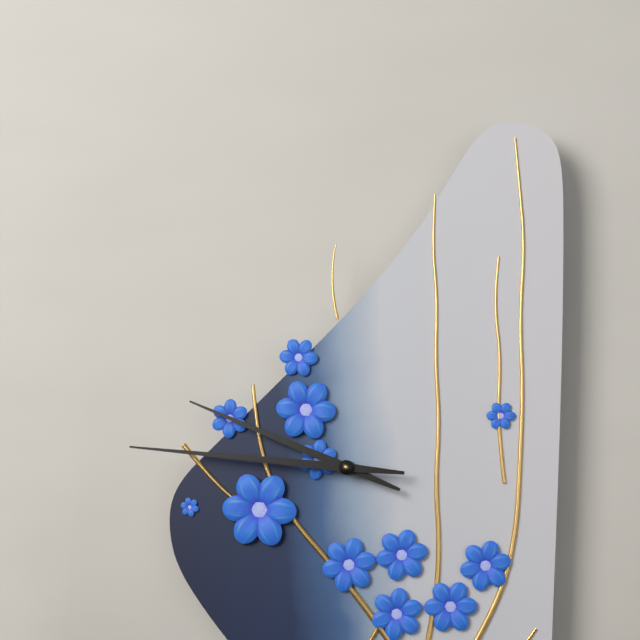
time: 9:46
